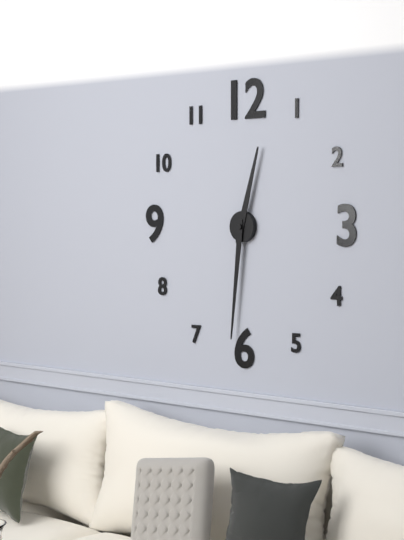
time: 12:31
